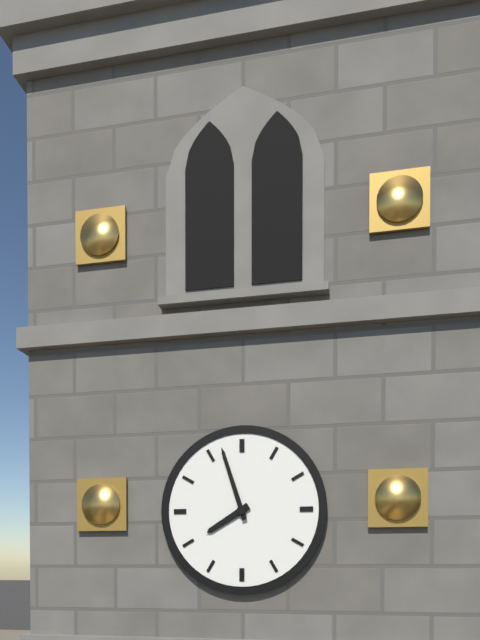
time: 7:57
